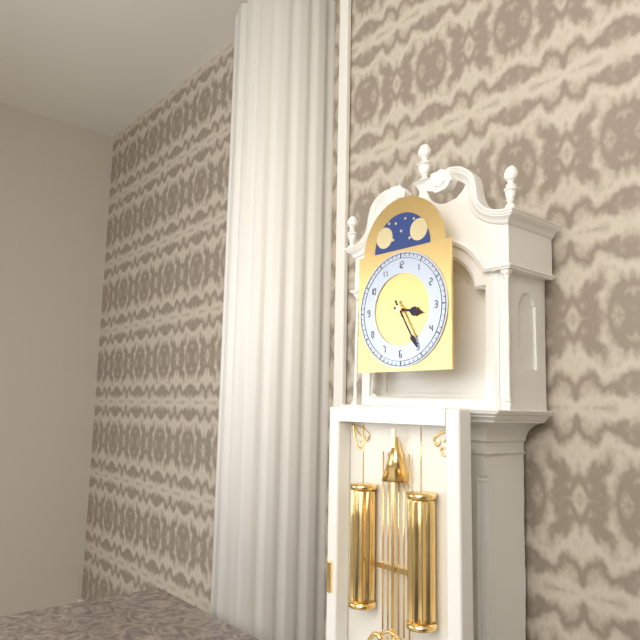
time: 3:25
